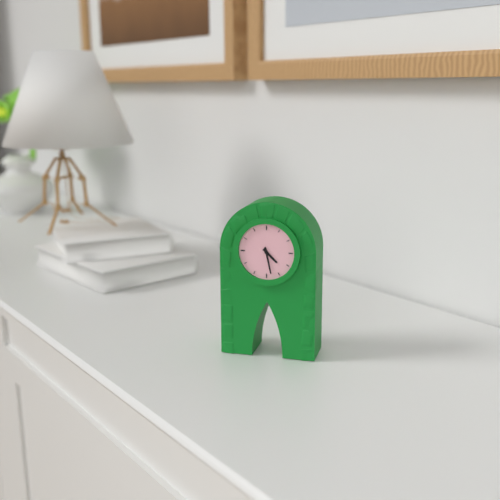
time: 4:28
